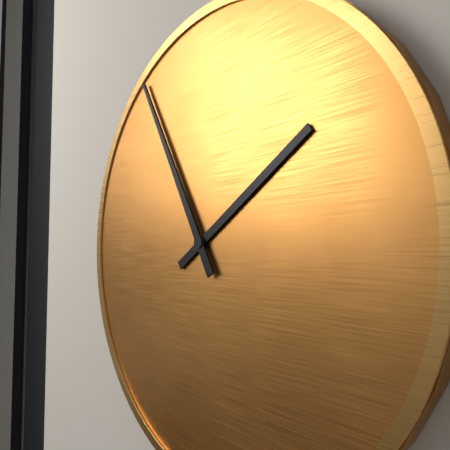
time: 1:55
